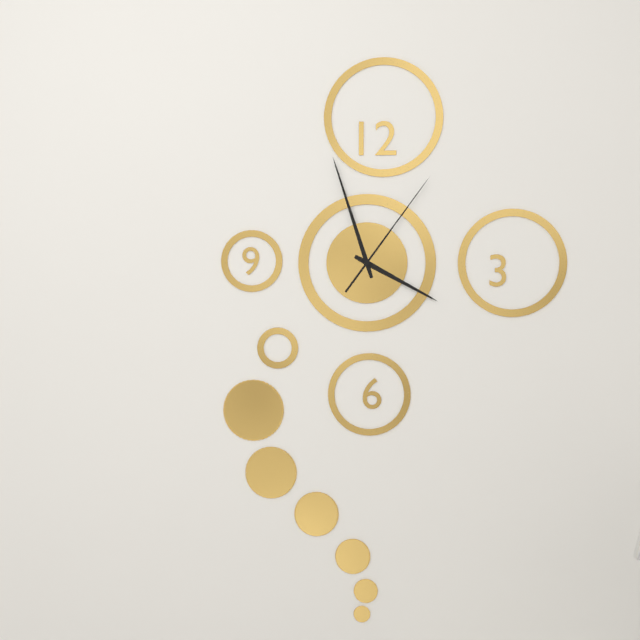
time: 3:57:06
